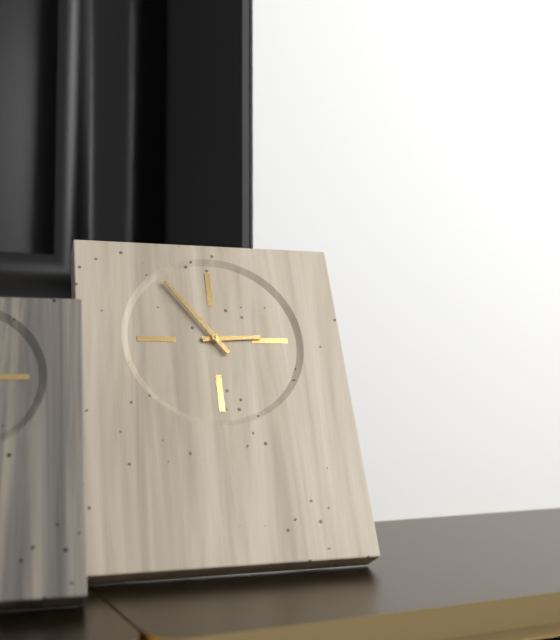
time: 2:54
